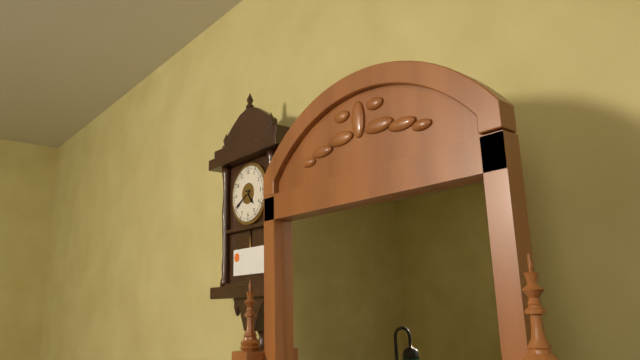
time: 4:40
